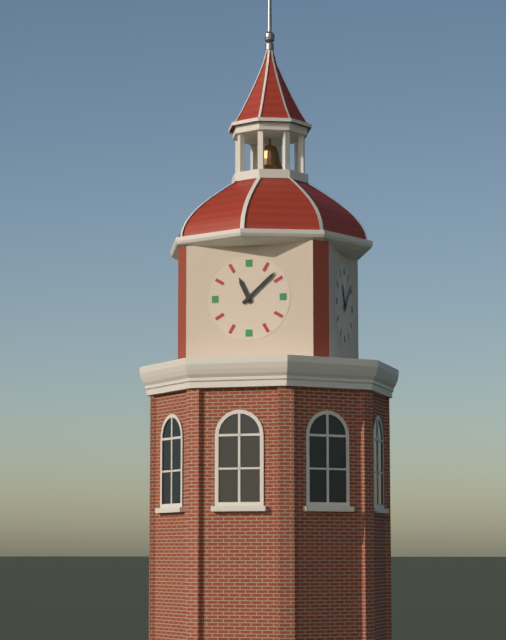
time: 11:08
